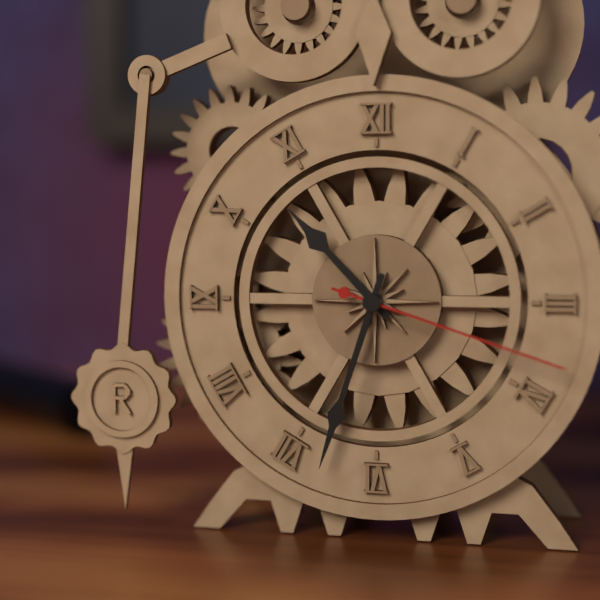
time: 10:33:18
